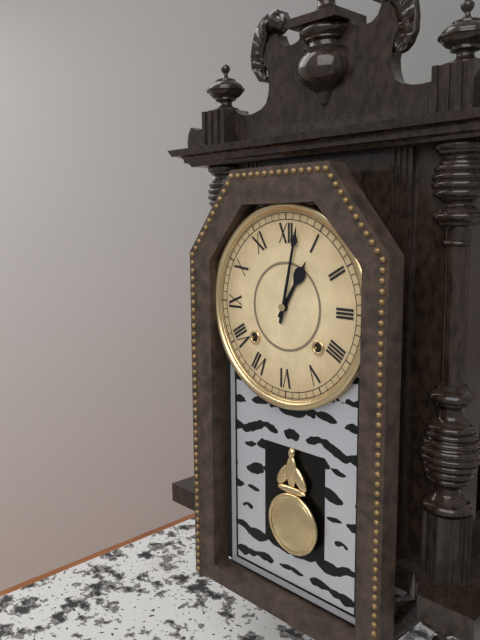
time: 1:02
